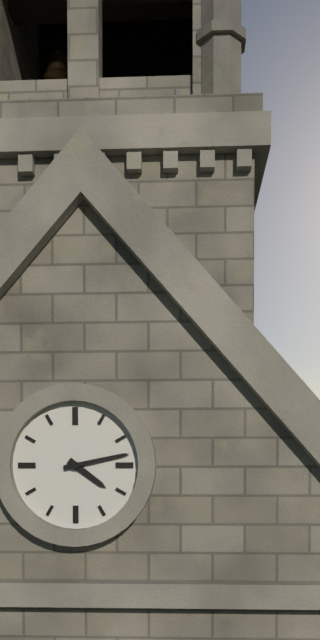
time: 4:13
